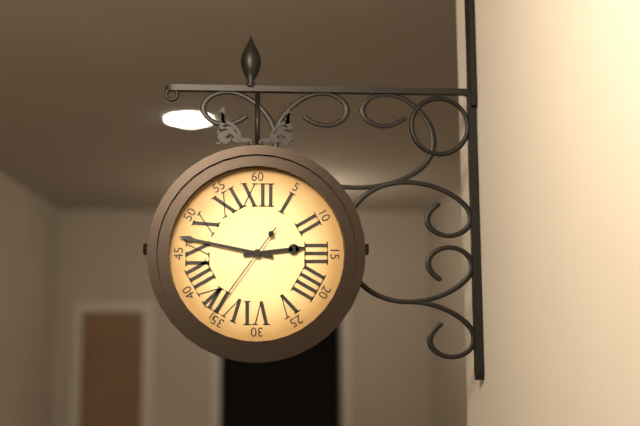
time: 2:47:36
